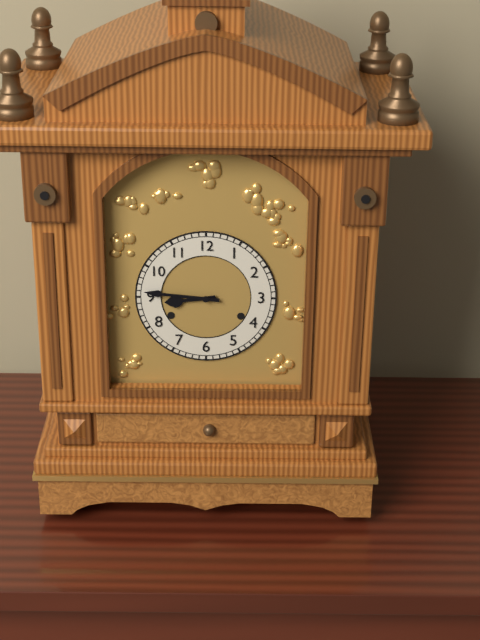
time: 8:46
